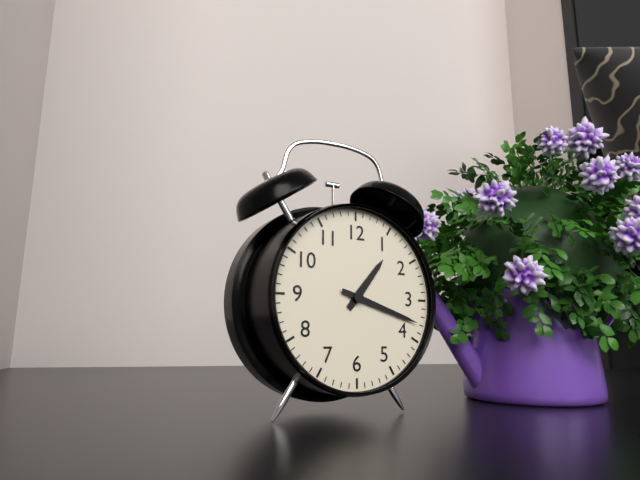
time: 1:18
